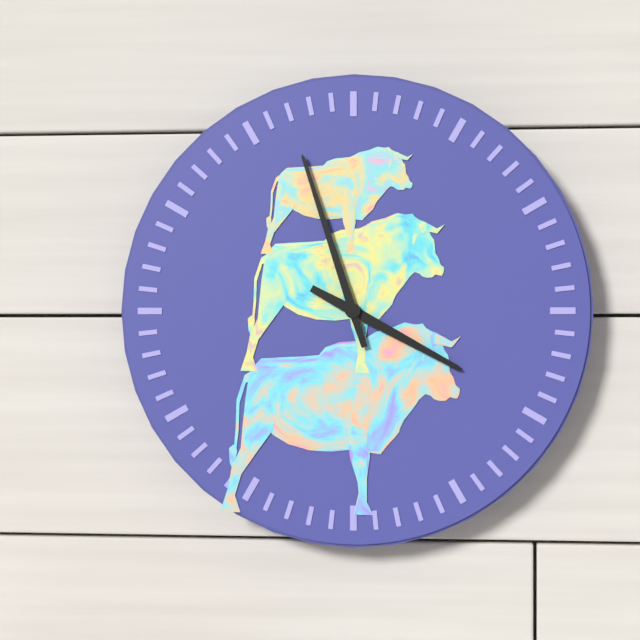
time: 3:57
